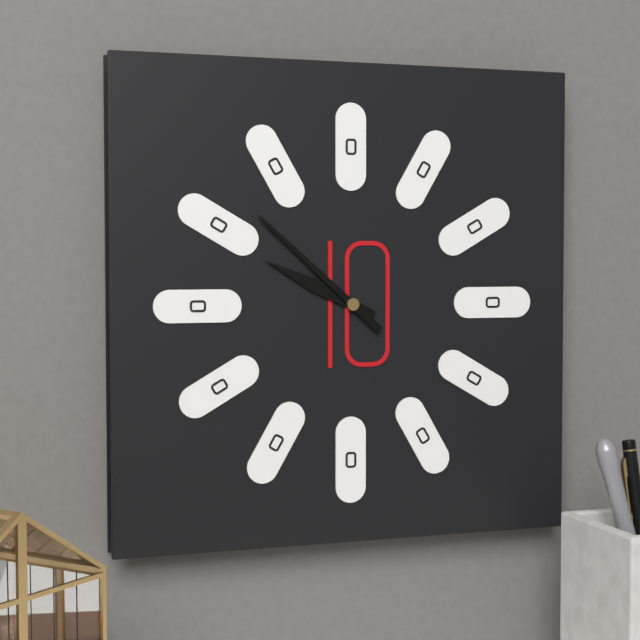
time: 9:52
